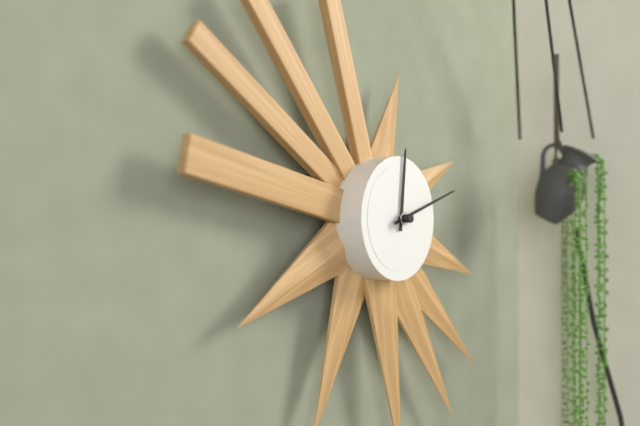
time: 12:12
